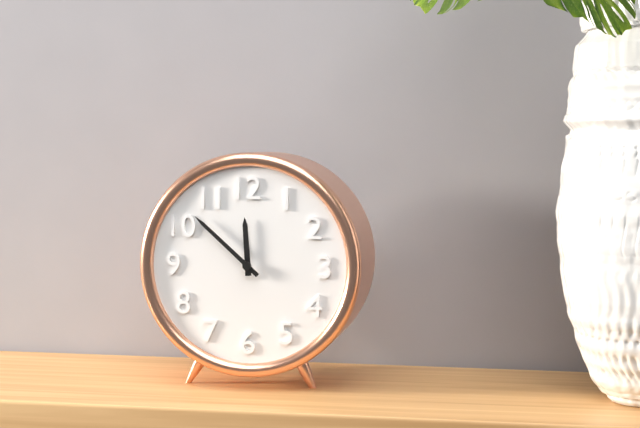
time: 11:52
